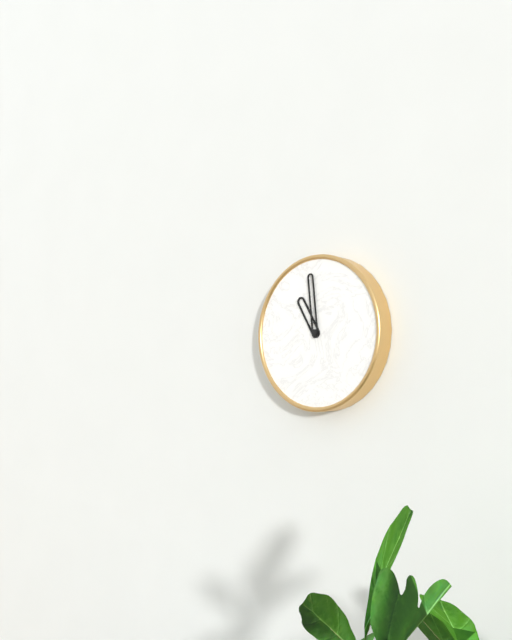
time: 10:59
